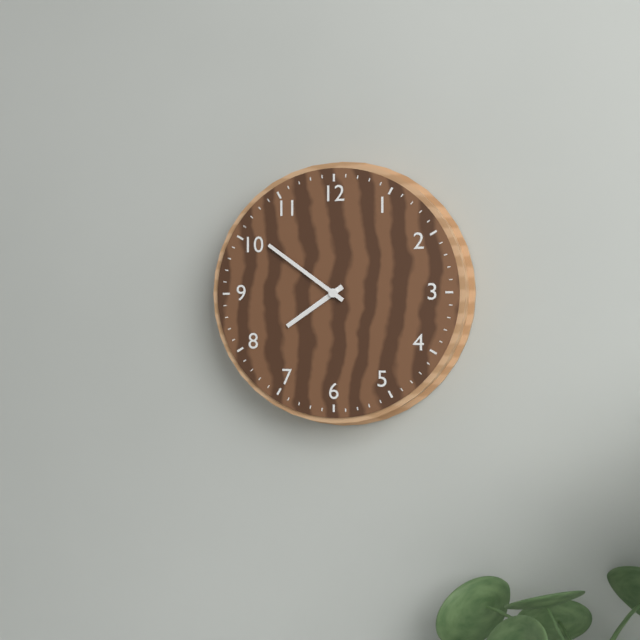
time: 7:51
